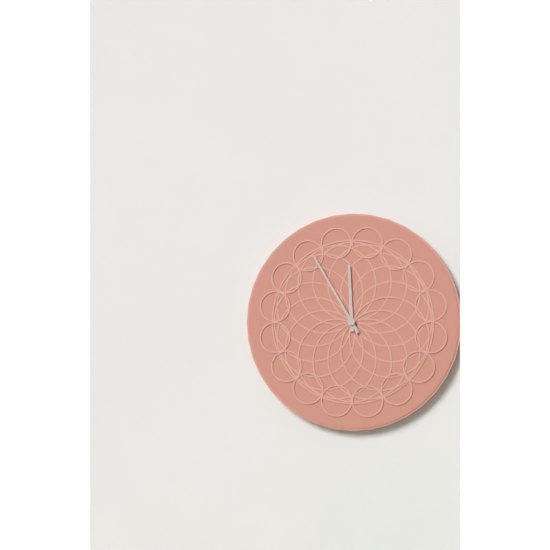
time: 11:55
